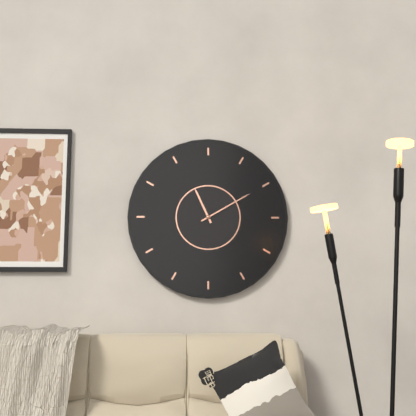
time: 11:10
